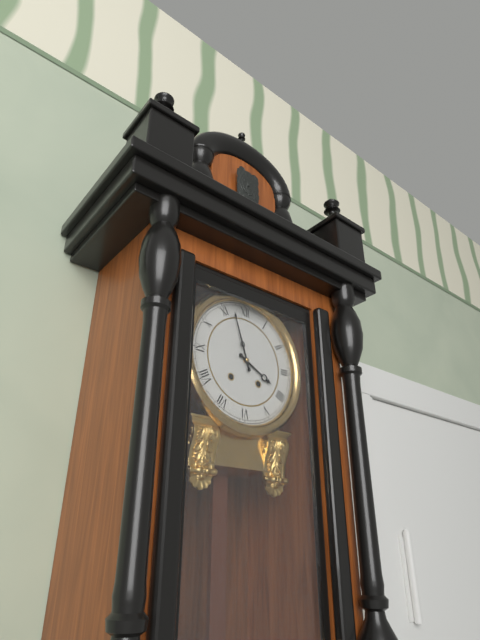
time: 3:57
